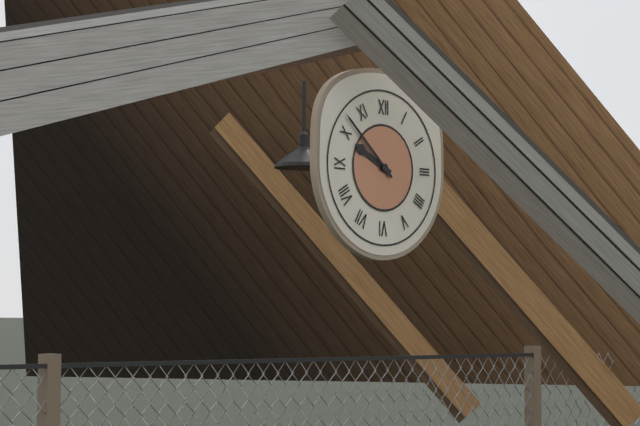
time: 9:52
